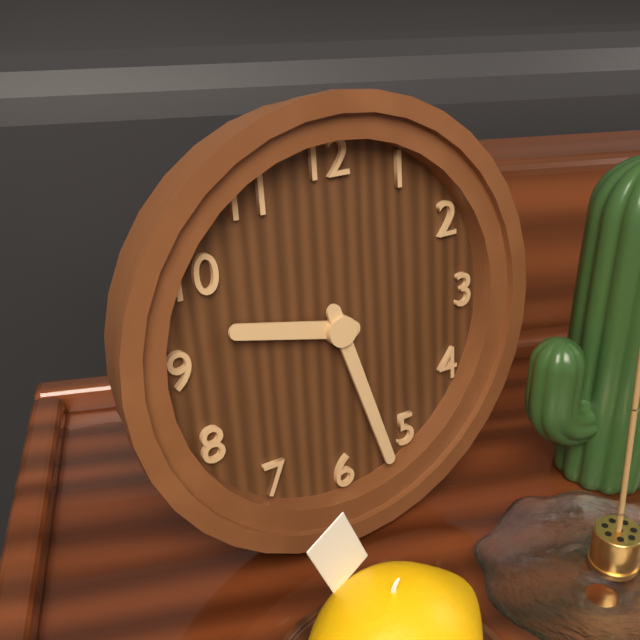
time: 9:27
